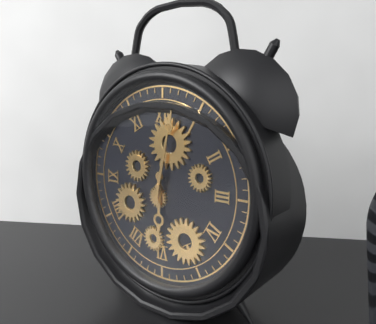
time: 6:02
